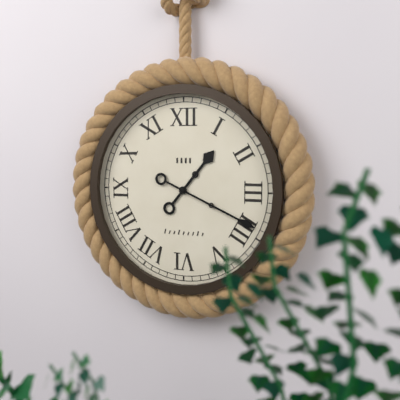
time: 1:19
